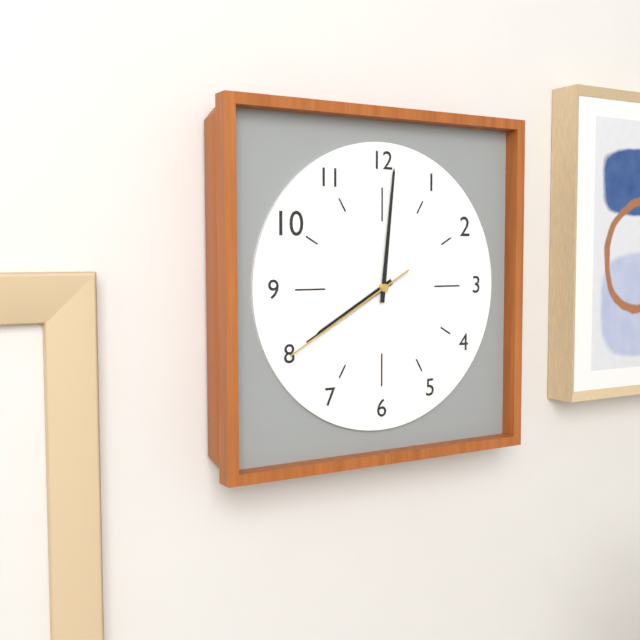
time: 8:01:40
